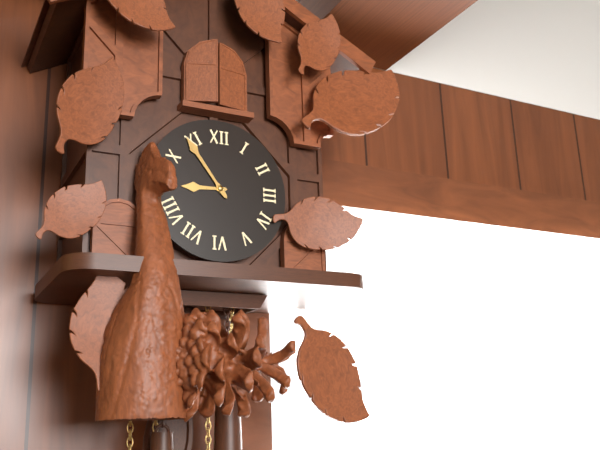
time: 8:54
